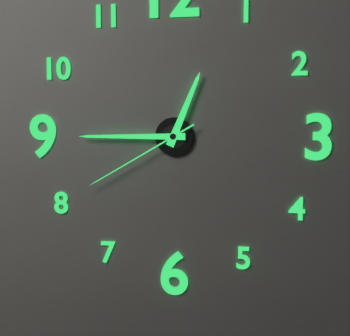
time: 12:45:40
